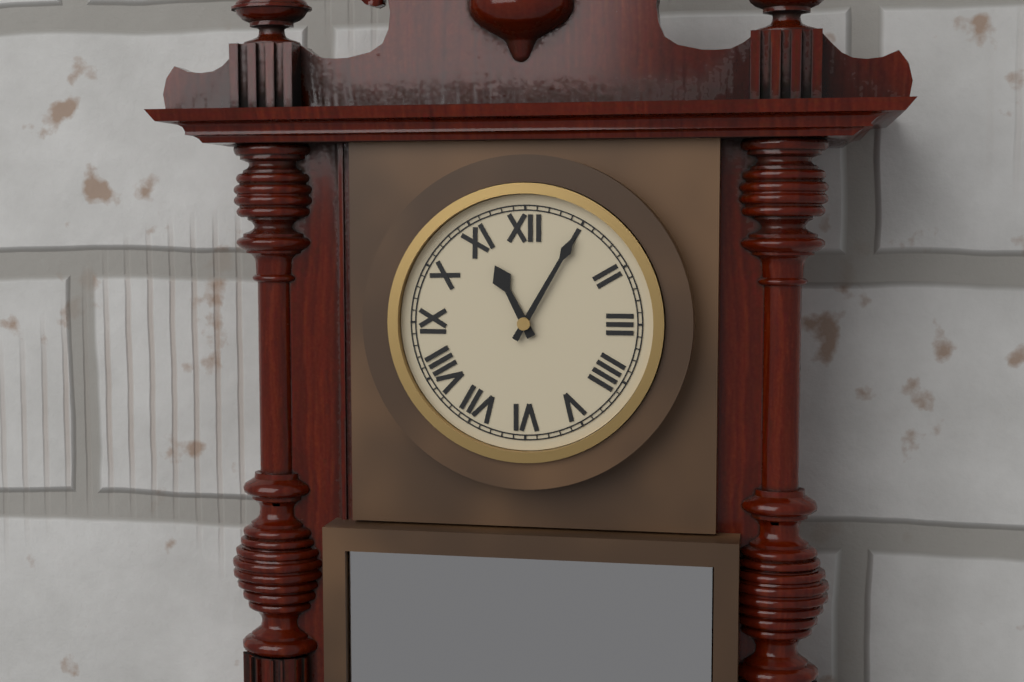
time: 11:05
